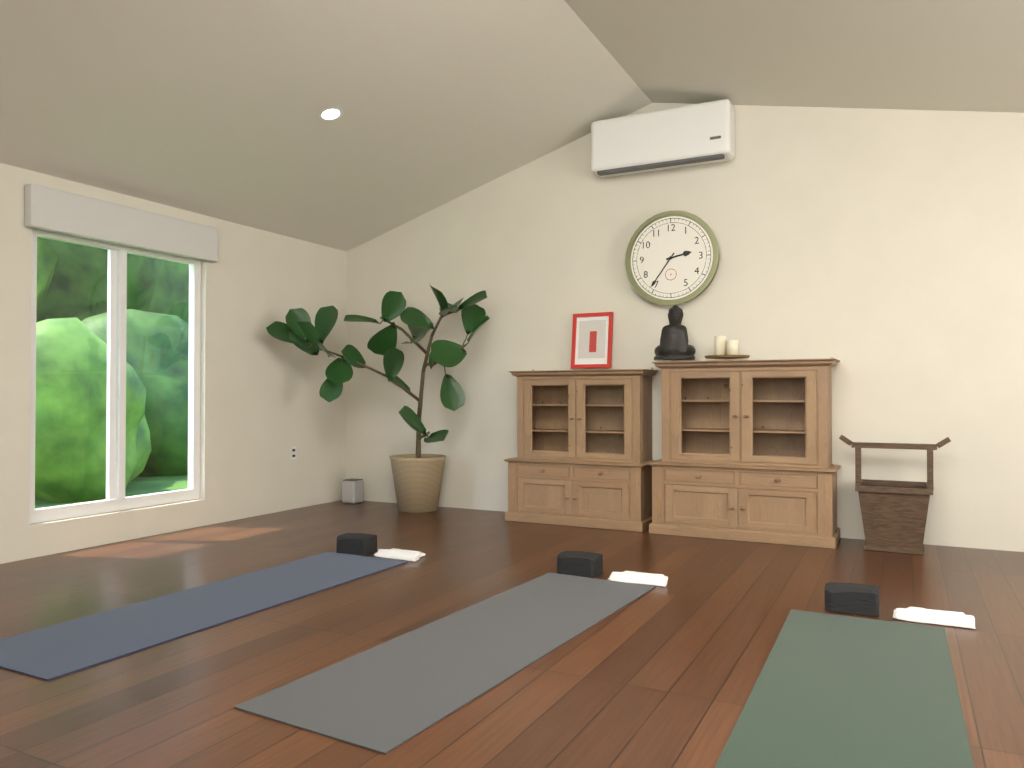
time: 2:36
